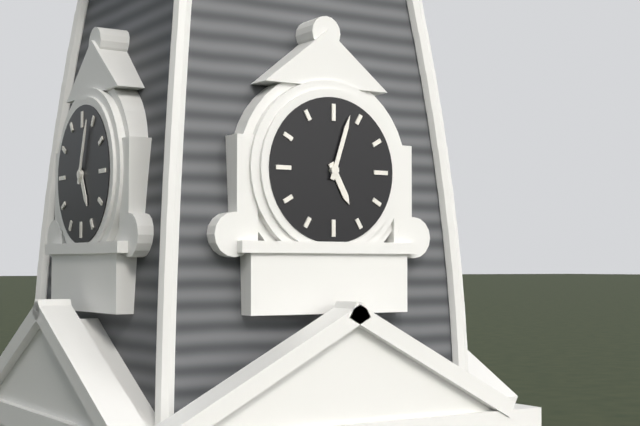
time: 5:03
